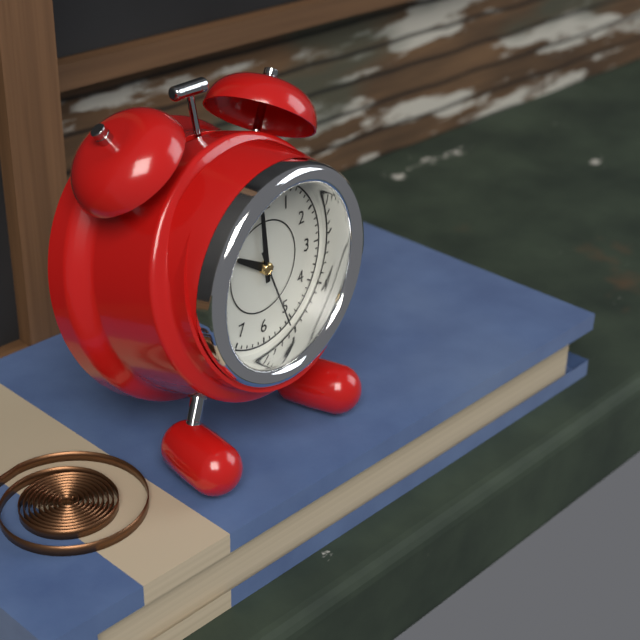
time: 9:59:26
